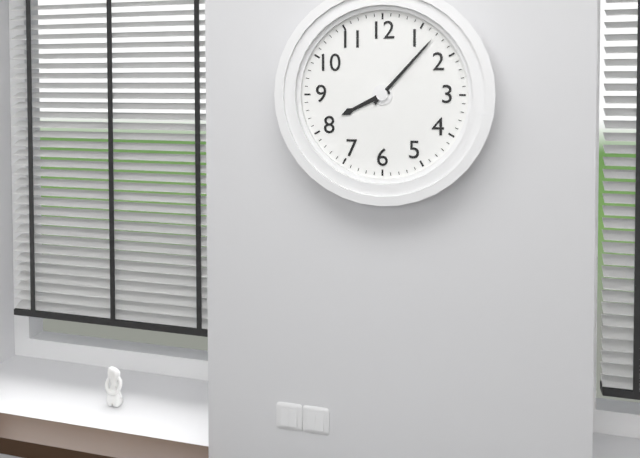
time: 8:07
